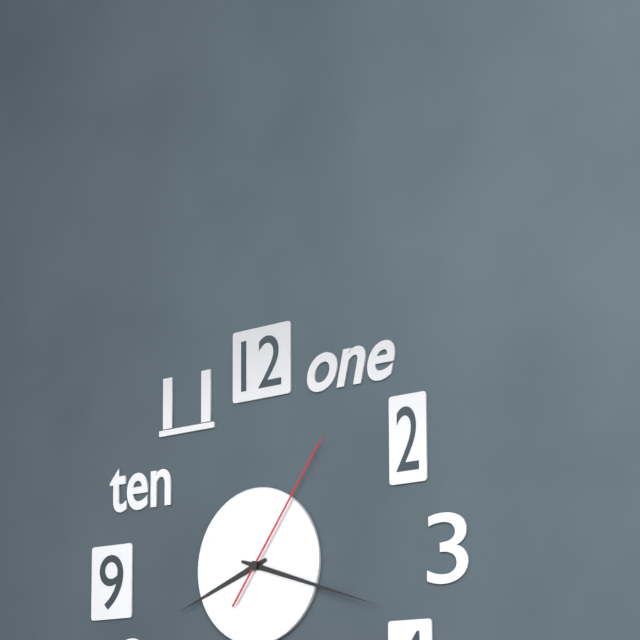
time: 8:18:06
